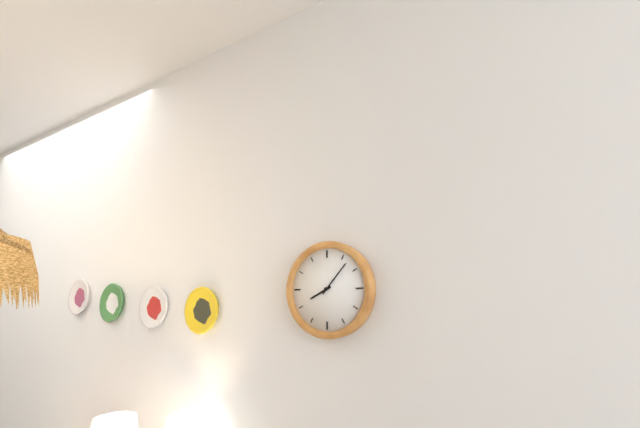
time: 8:07
